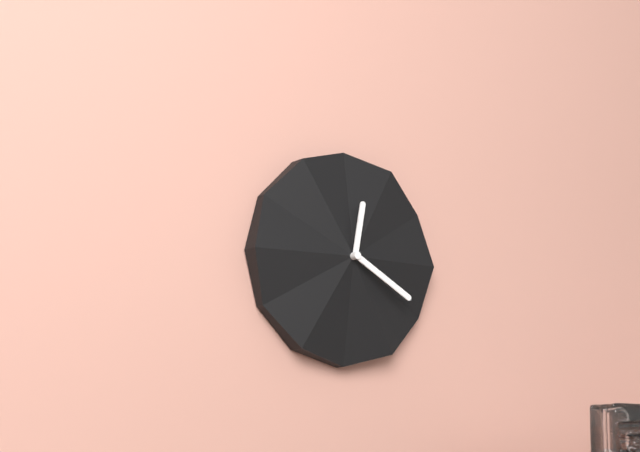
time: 12:20
